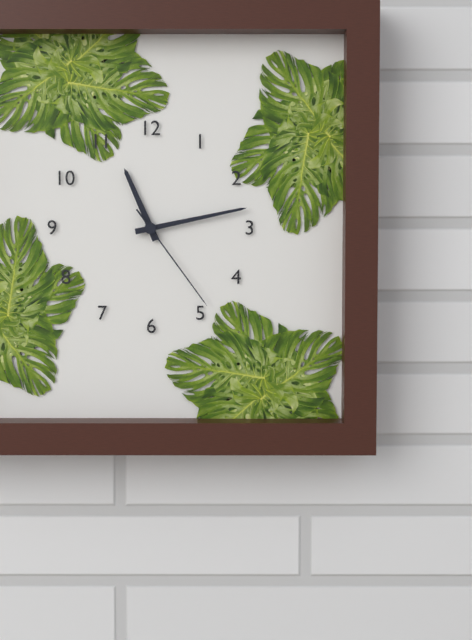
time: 11:13:24
